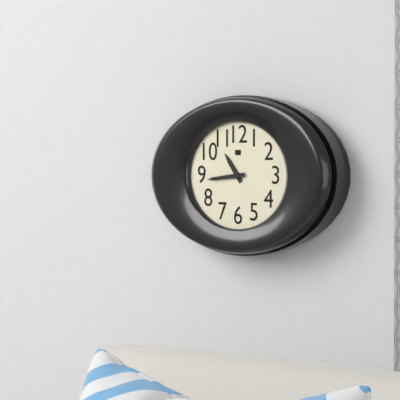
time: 10:44
